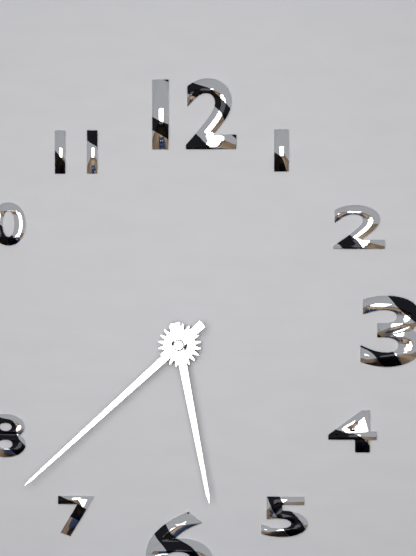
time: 5:38
